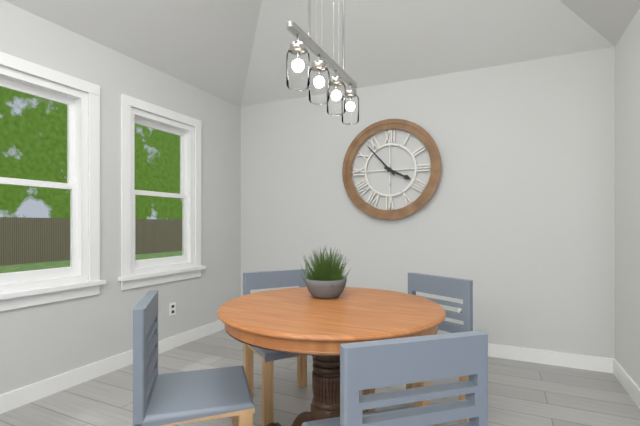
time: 3:53
